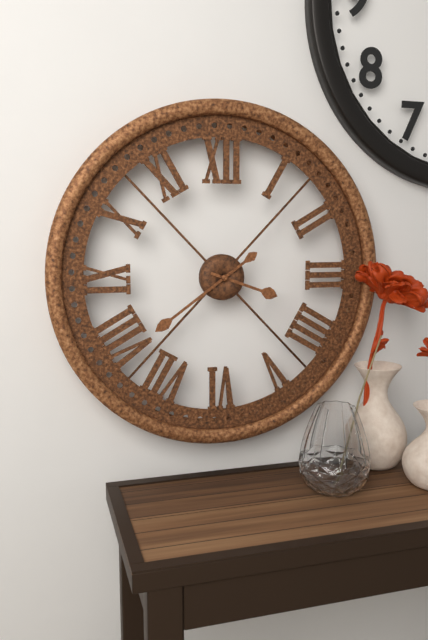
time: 3:39
